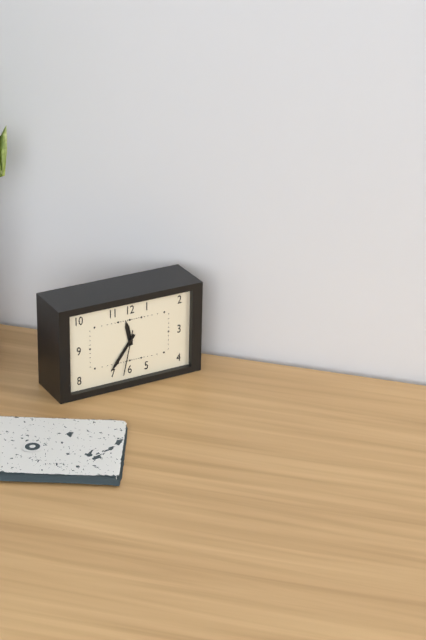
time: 11:36
